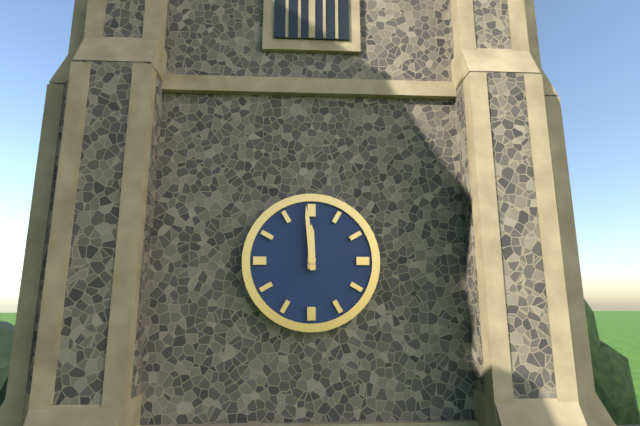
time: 11:59
